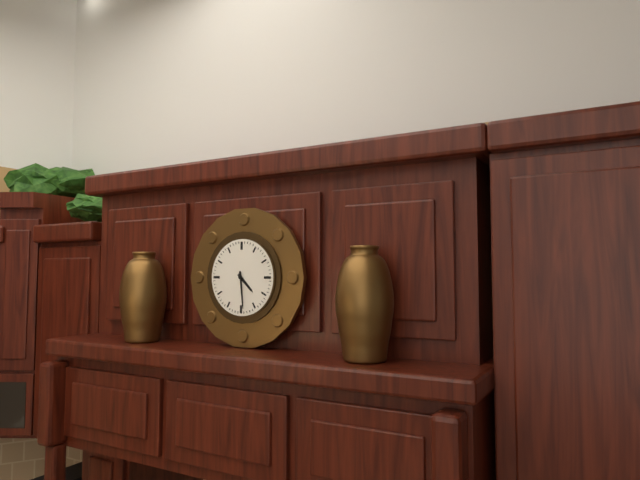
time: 4:29
